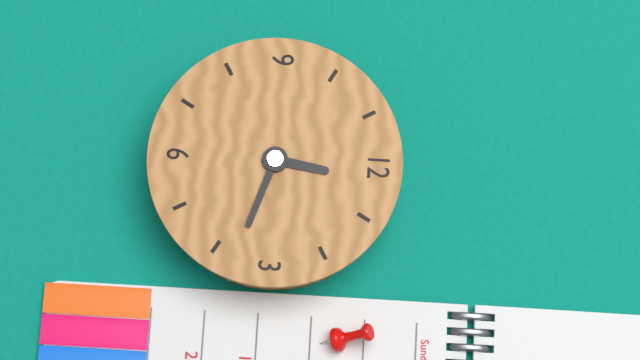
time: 12:18
